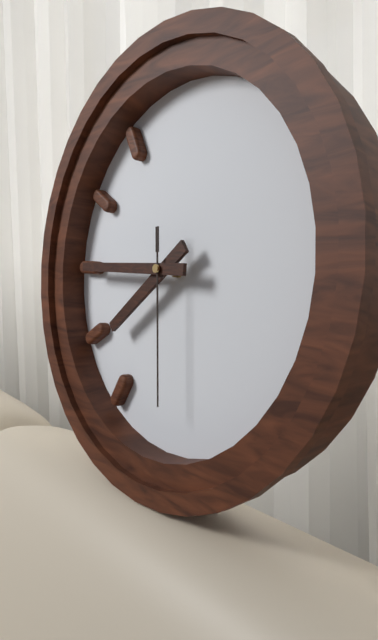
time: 7:45:29
